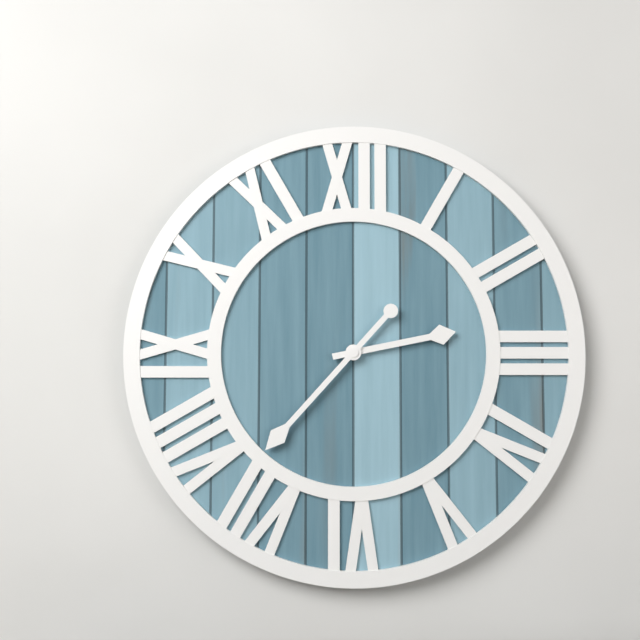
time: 2:37
